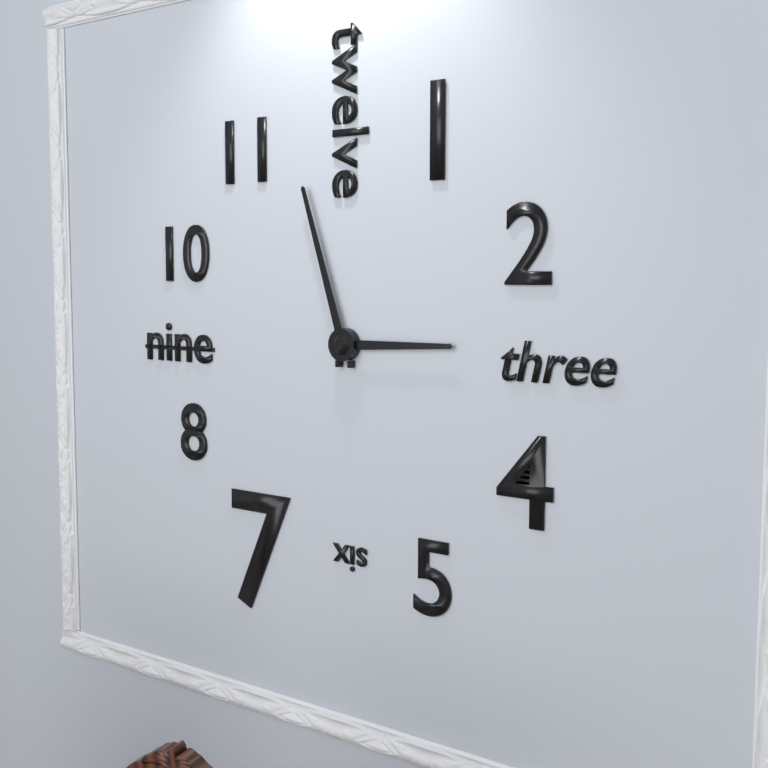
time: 2:57
